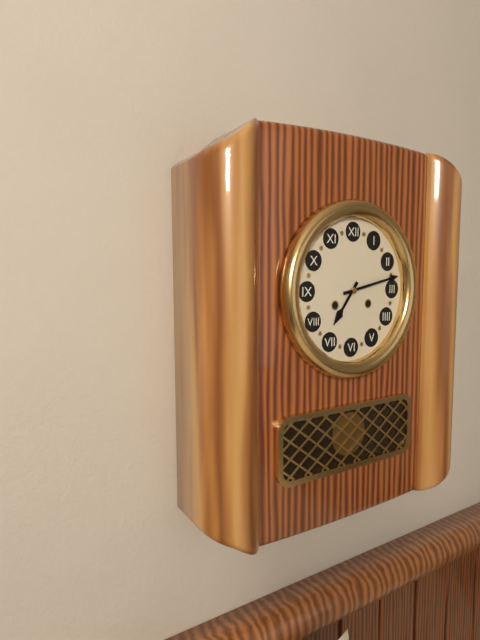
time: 7:13
